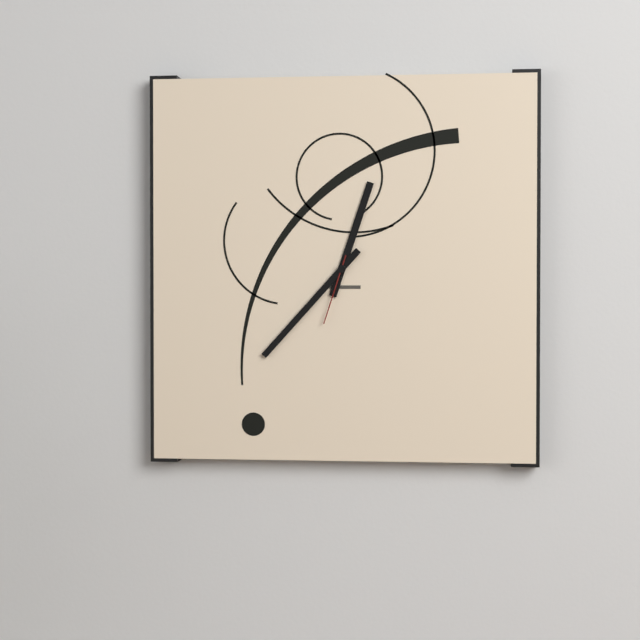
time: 12:37:33
